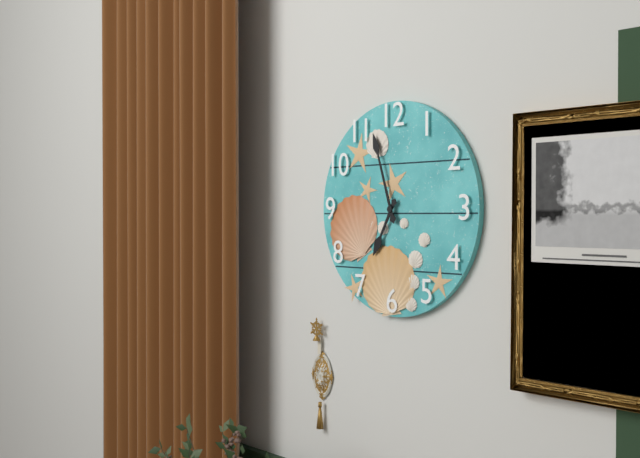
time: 6:57
